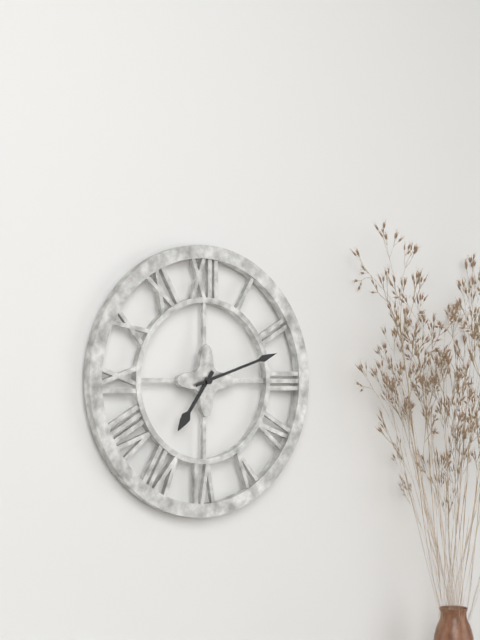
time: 7:12
